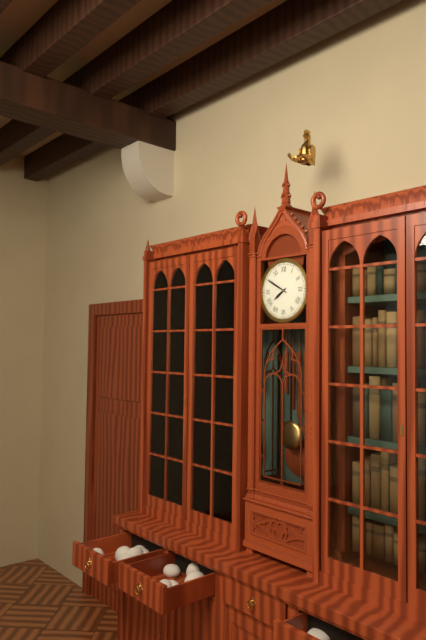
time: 7:50
